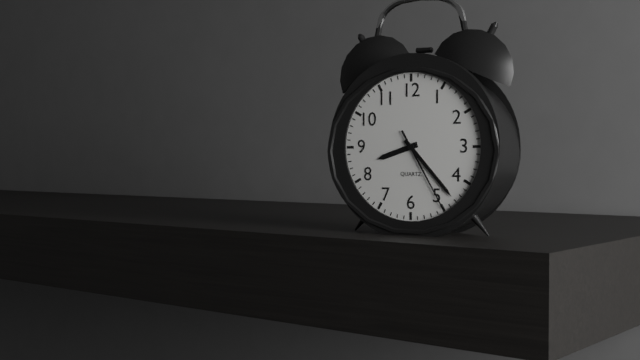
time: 8:23:25
